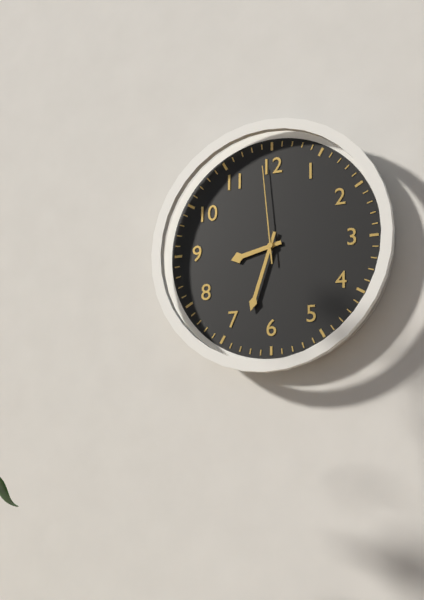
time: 8:33:59
